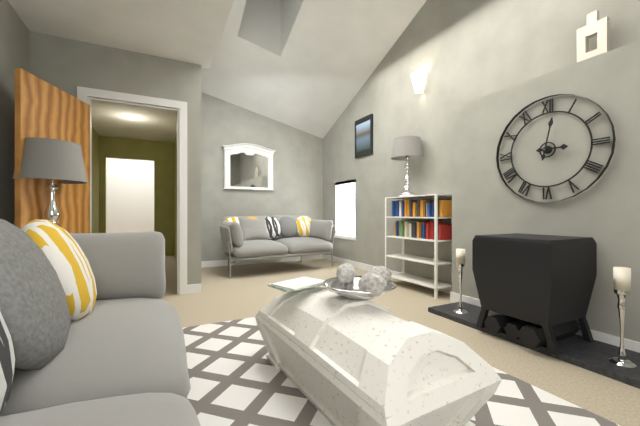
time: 3:02
